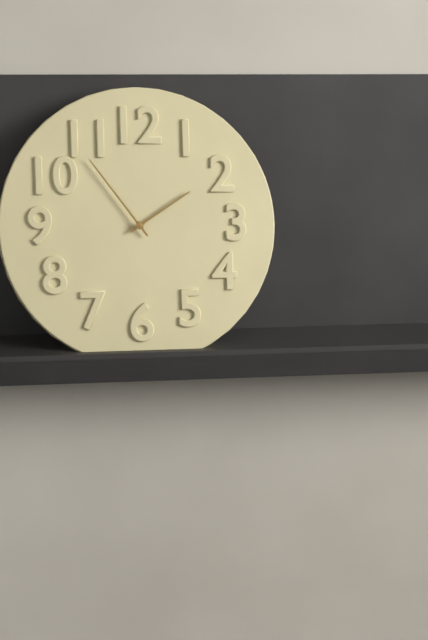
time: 1:54
